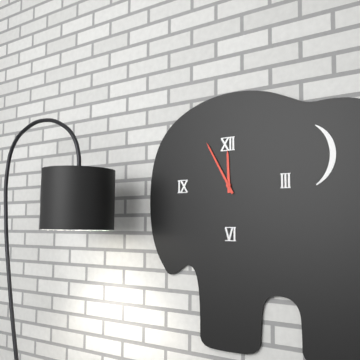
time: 11:55
